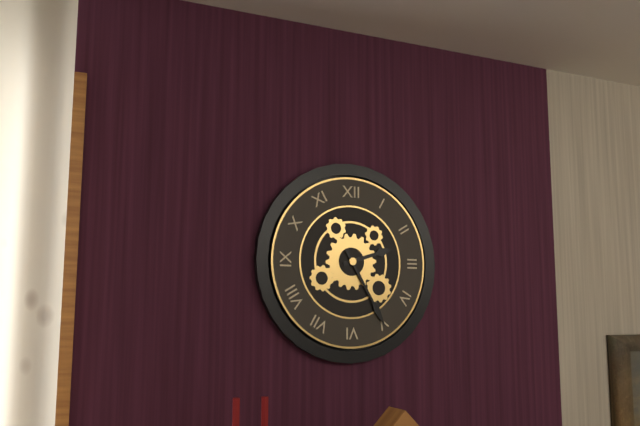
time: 2:25
